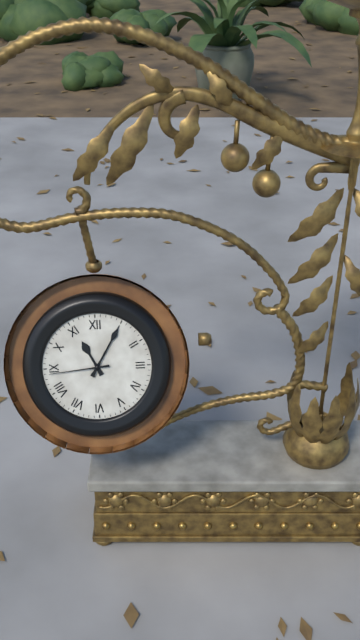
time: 11:05:44
